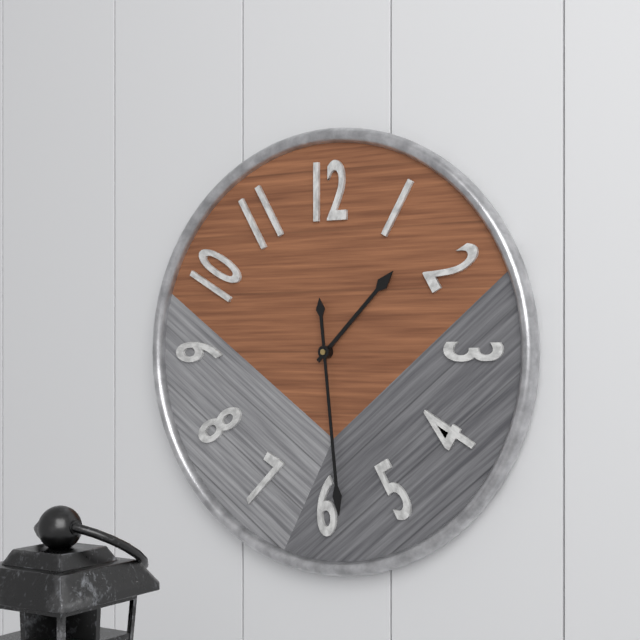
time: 1:29
